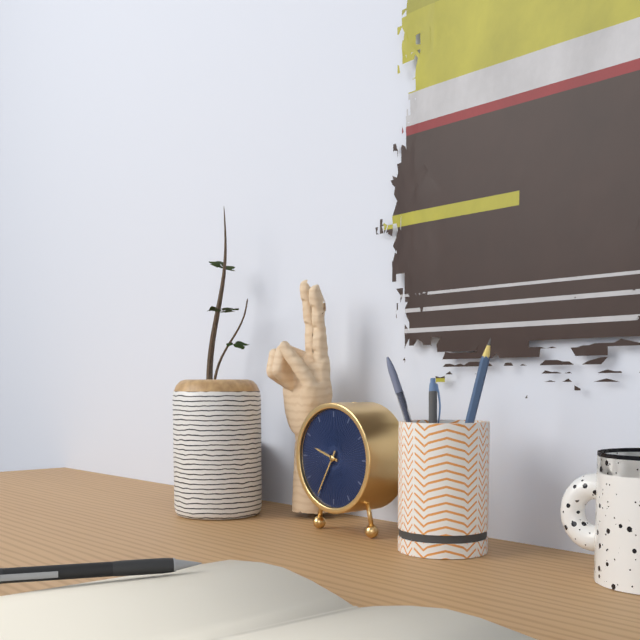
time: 9:35
